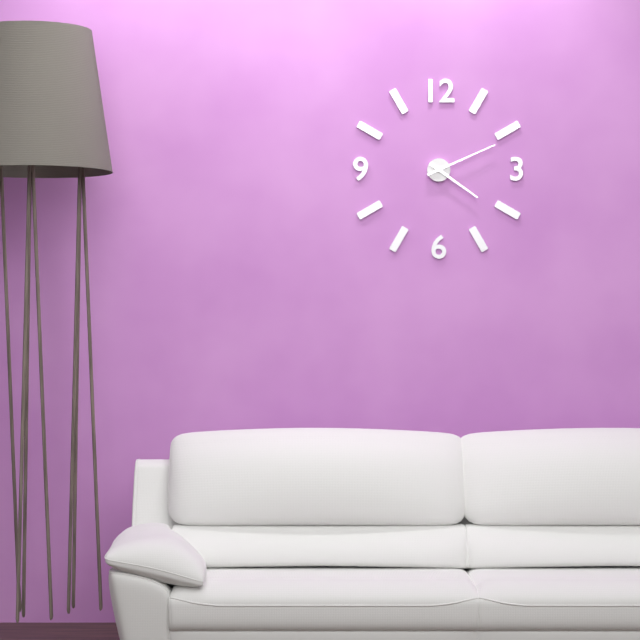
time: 4:11
